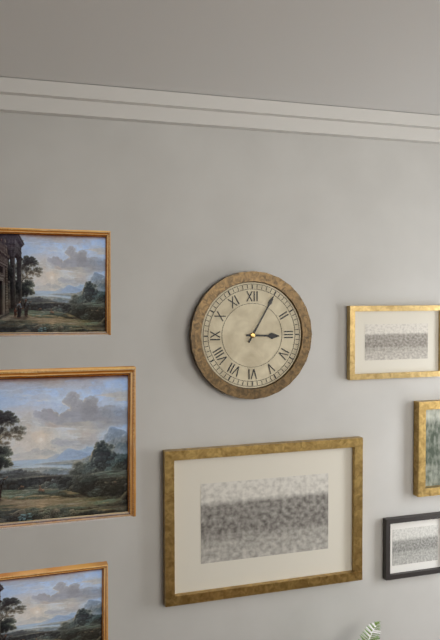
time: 3:05
